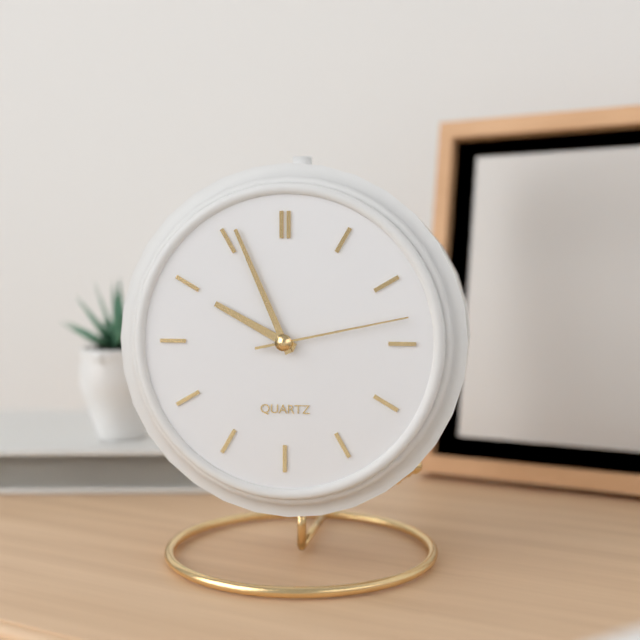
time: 9:56:13
